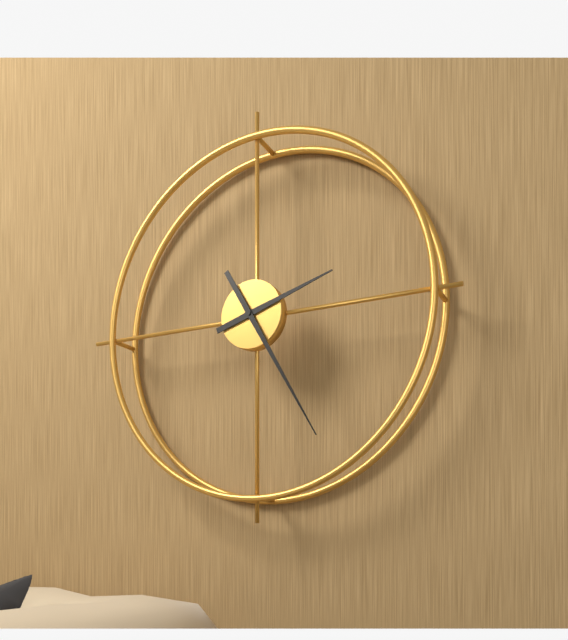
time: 2:25
